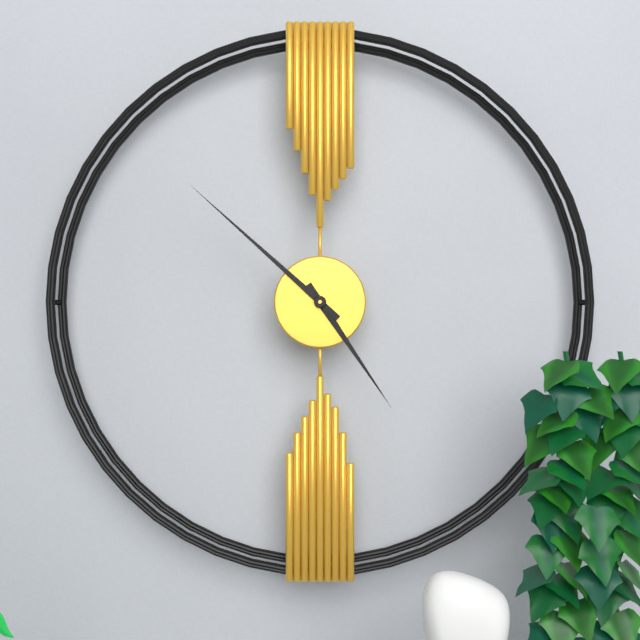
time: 4:52
